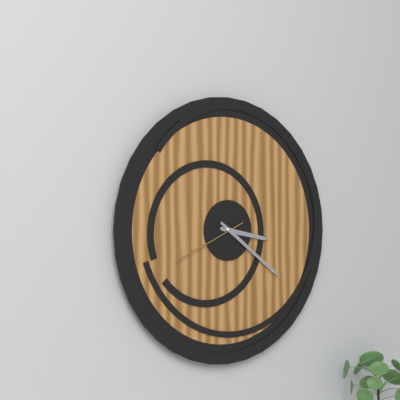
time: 3:21:41
